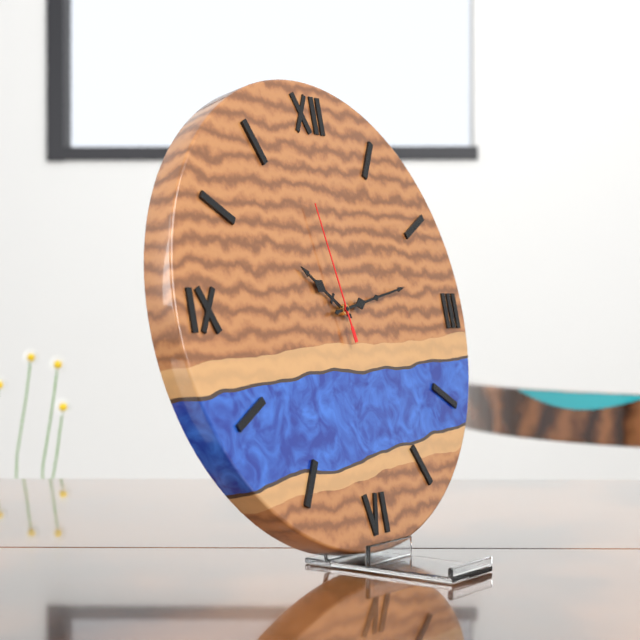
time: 10:13:58
